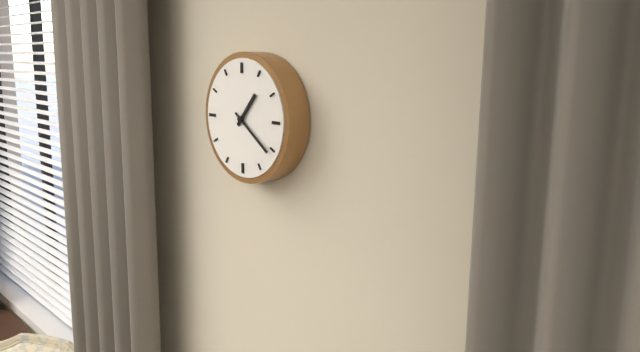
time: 1:21
